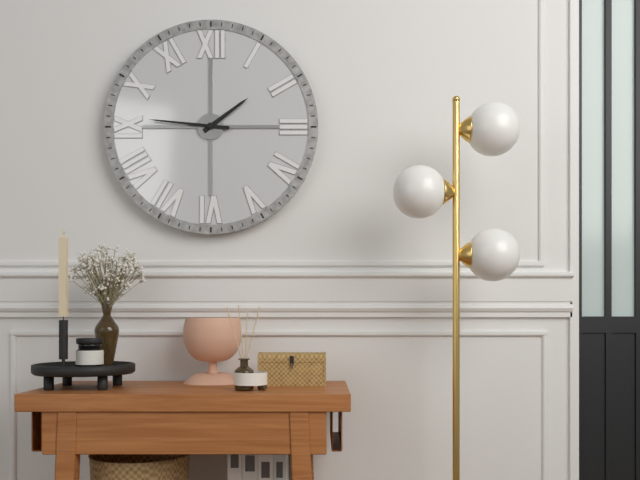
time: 1:46
